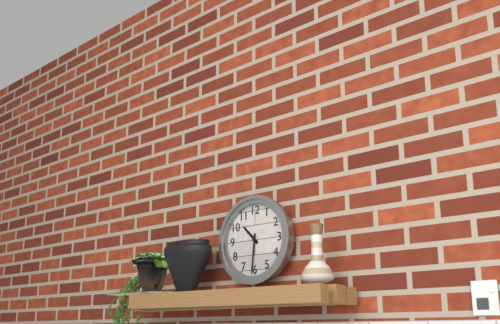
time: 10:31
